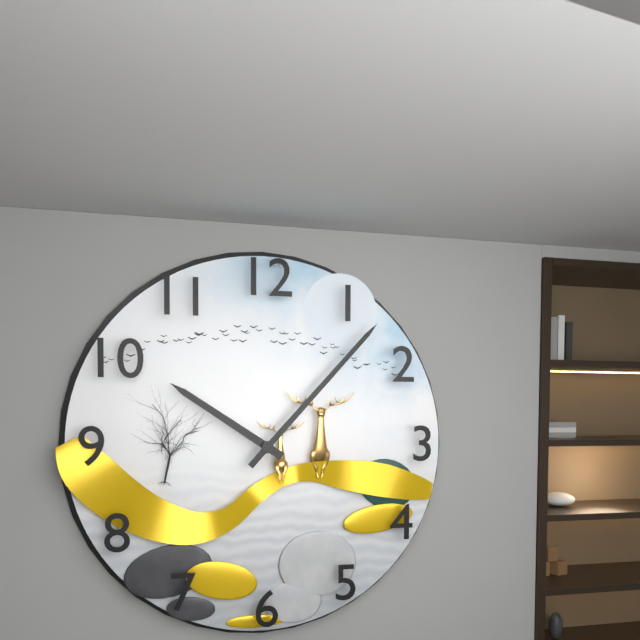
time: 10:07
